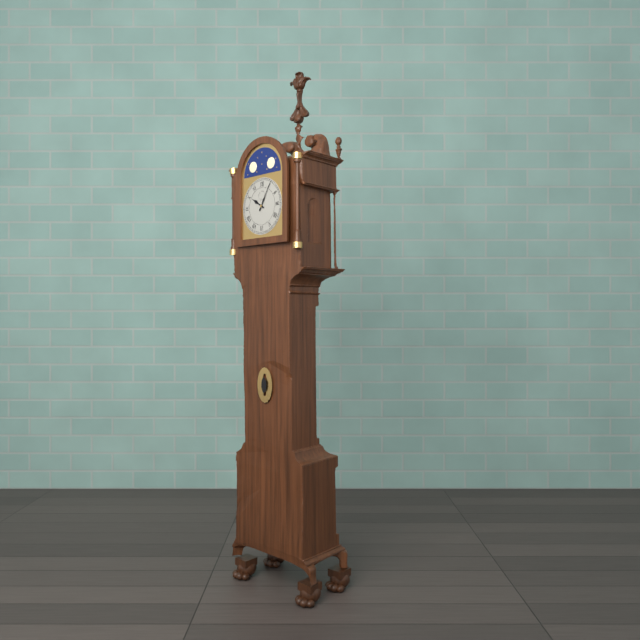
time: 10:05
